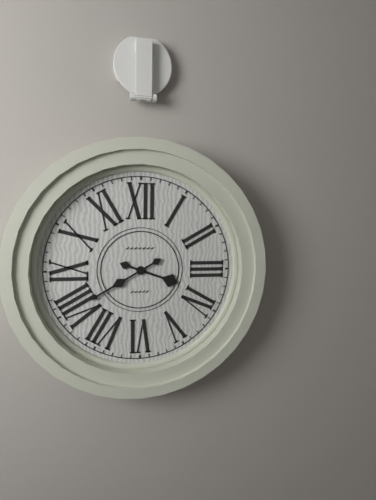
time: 3:40
